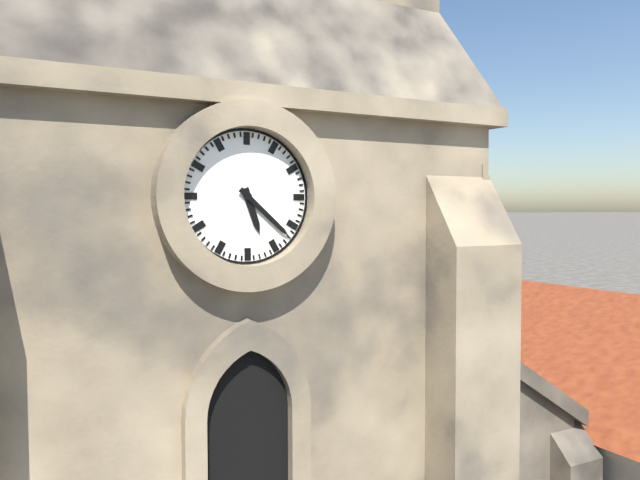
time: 5:22
